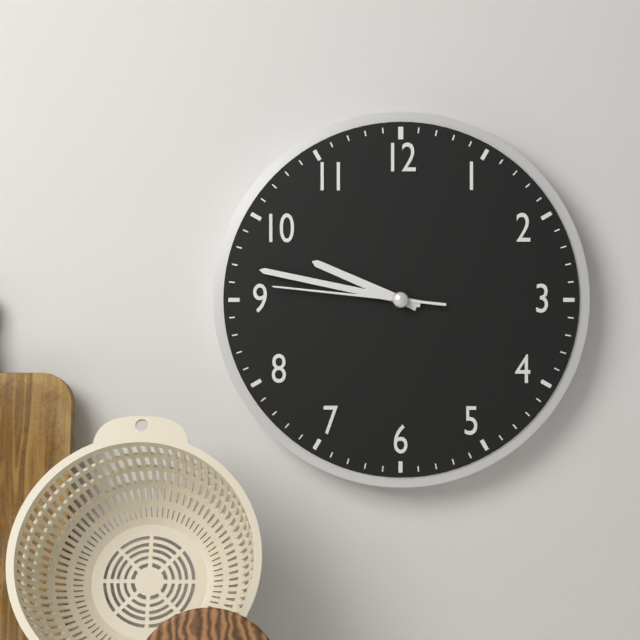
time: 9:47:46
